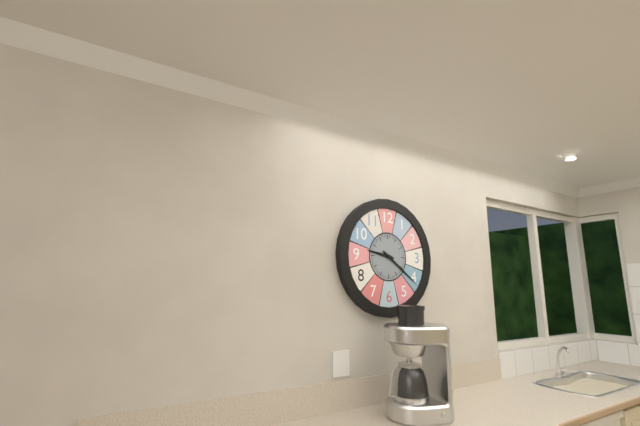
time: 9:21
